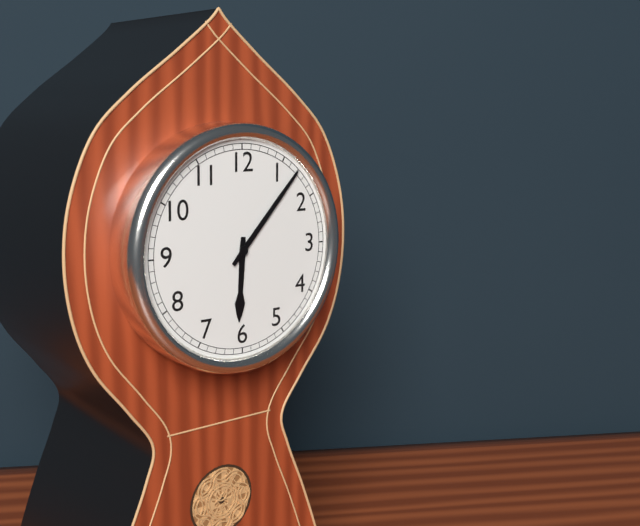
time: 6:07
